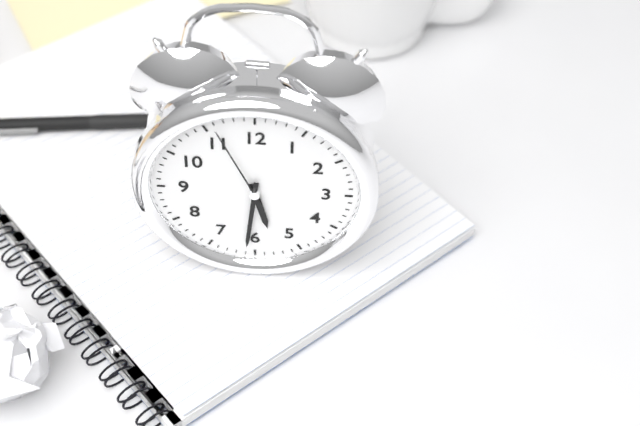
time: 5:31:56
